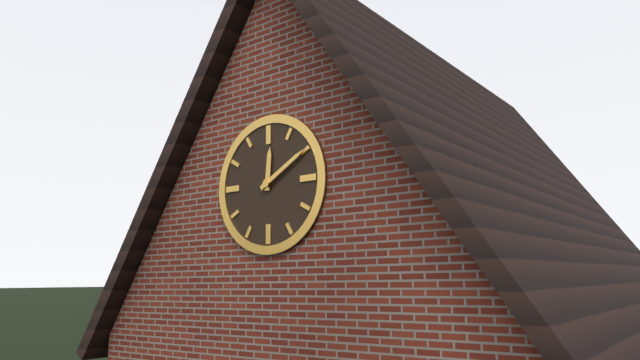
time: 12:10
